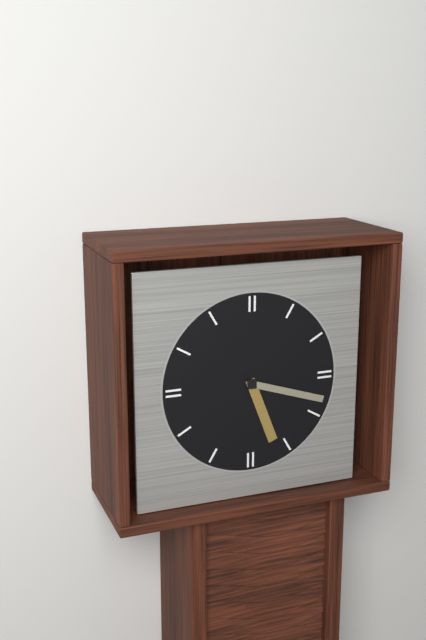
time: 5:18
